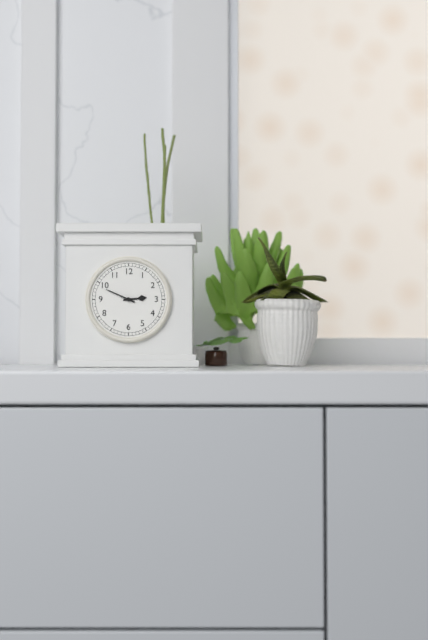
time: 2:49
